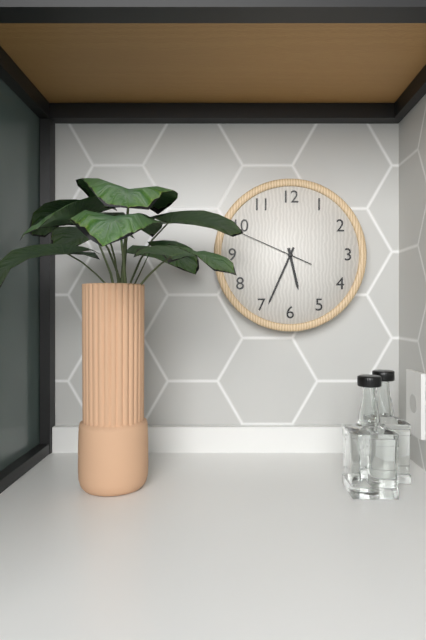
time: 5:34:49
